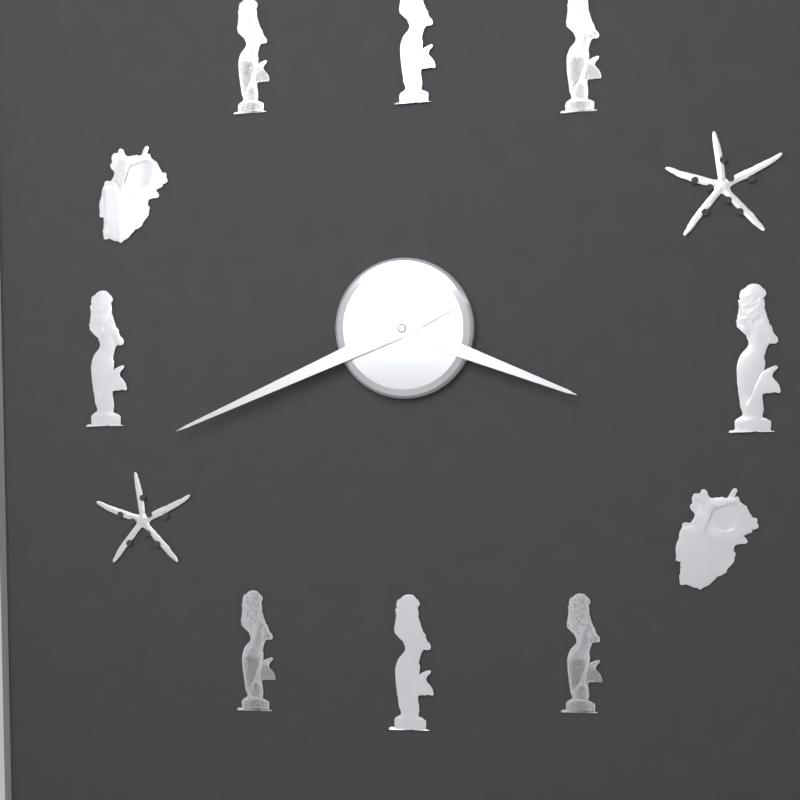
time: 3:41
